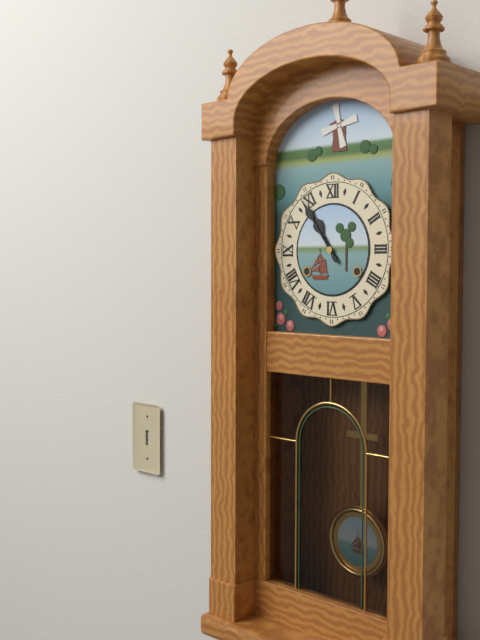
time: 10:54
